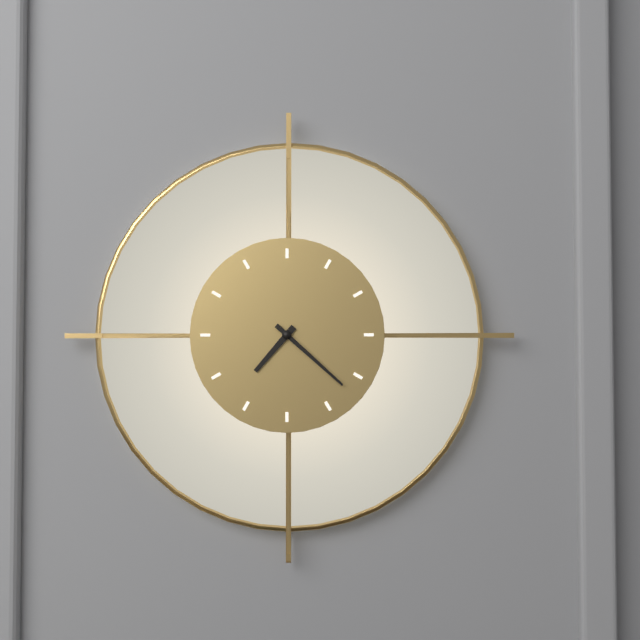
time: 7:22
